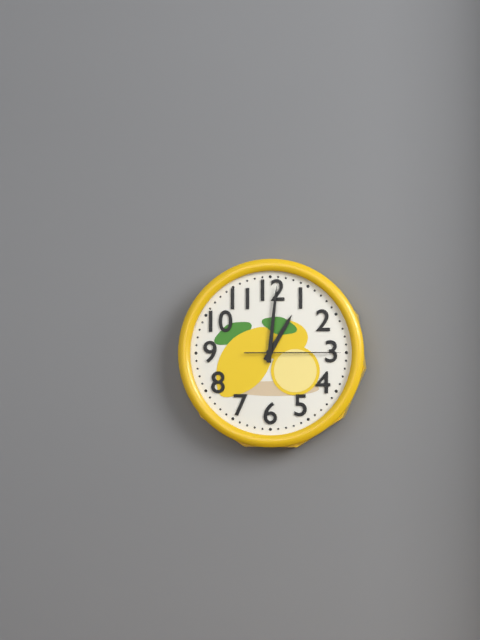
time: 1:01:15
